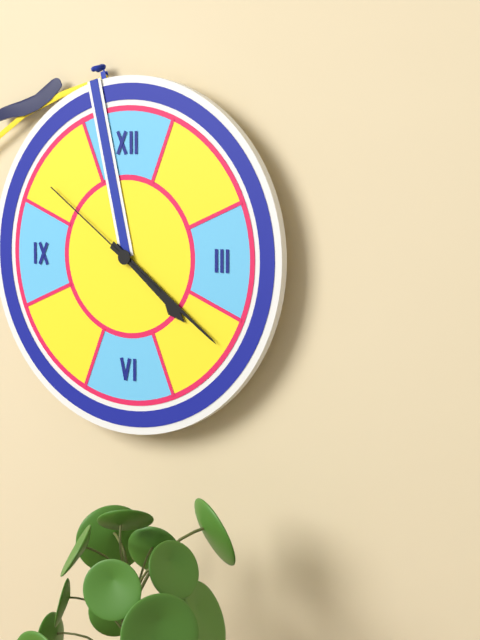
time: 4:21:51
